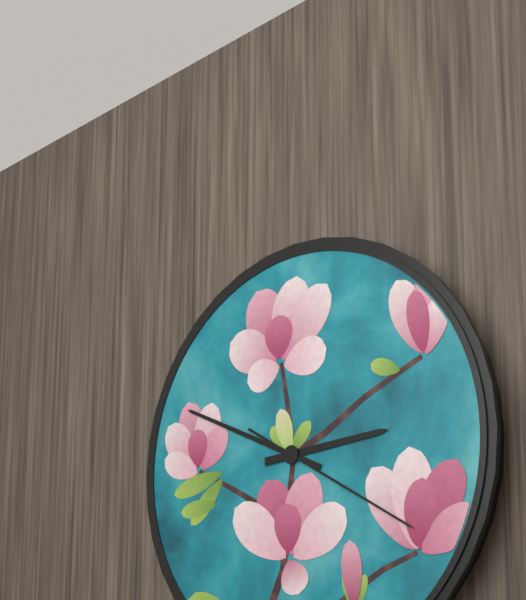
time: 2:49:20
